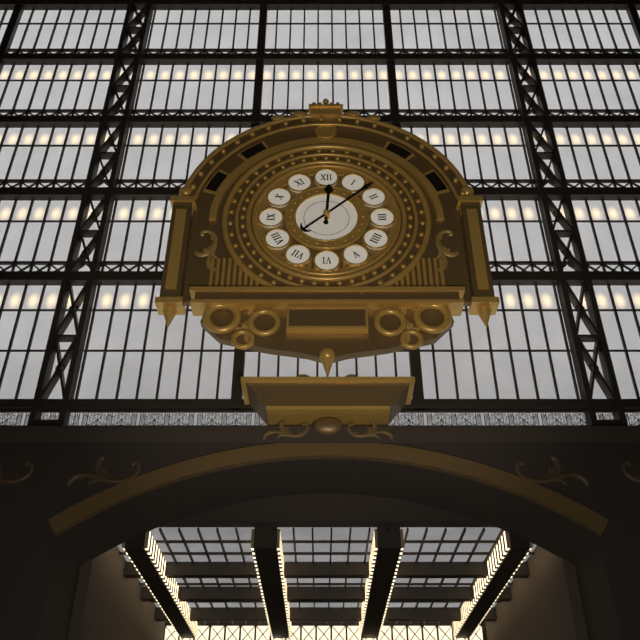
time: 12:08
